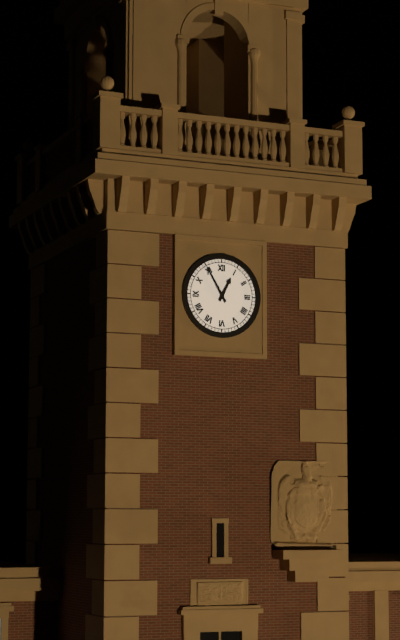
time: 12:55
